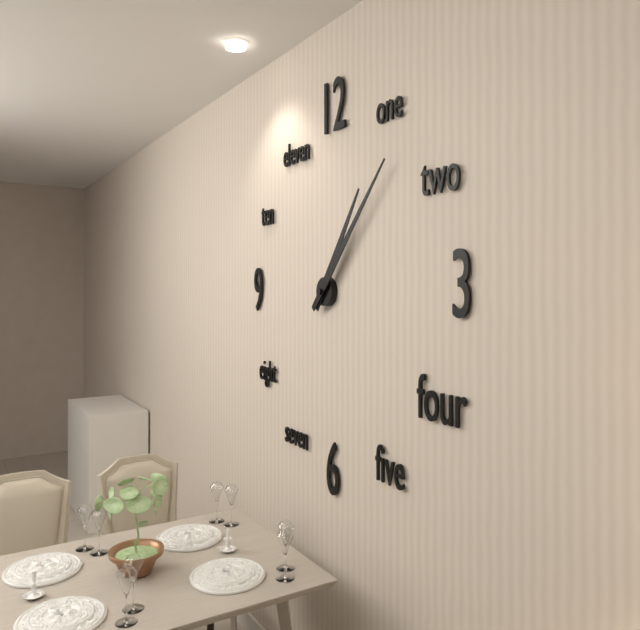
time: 1:07
